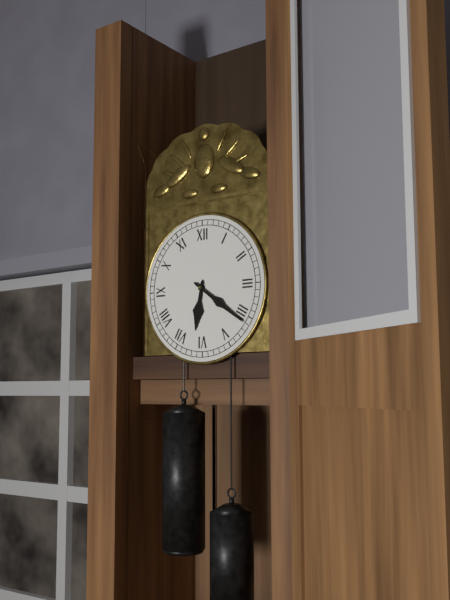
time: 6:21
